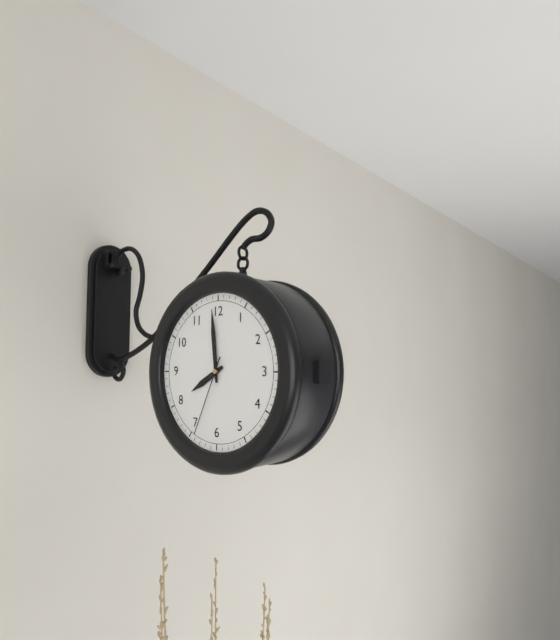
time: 7:59:34
